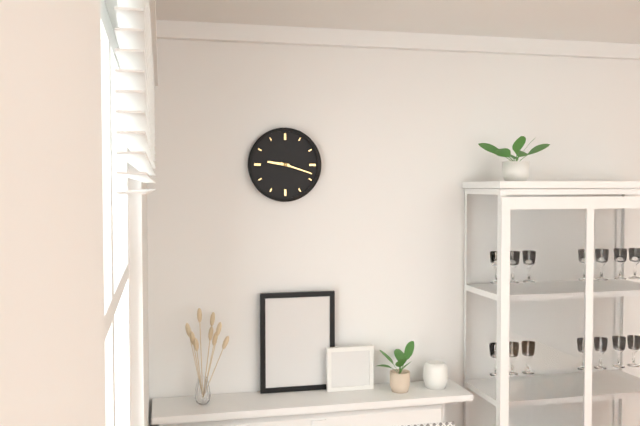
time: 9:18
